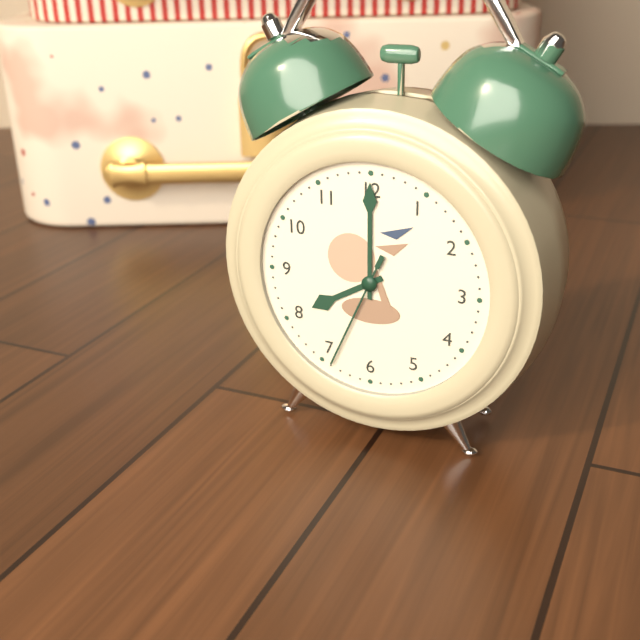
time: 8:00:34
